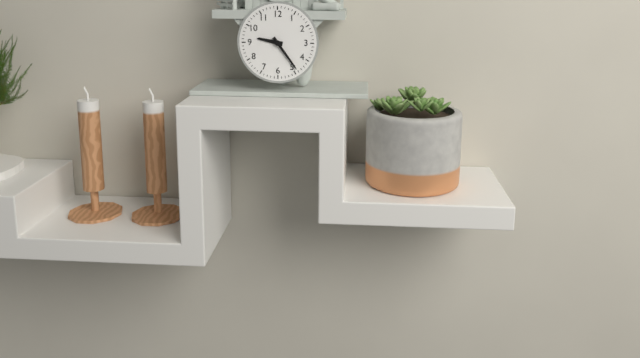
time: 9:24
